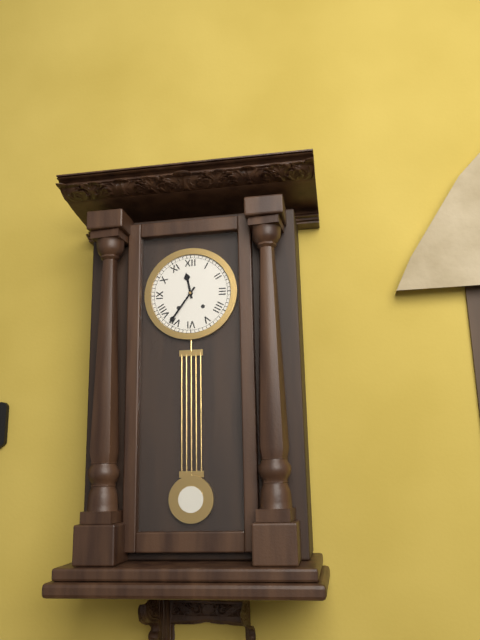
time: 11:36
